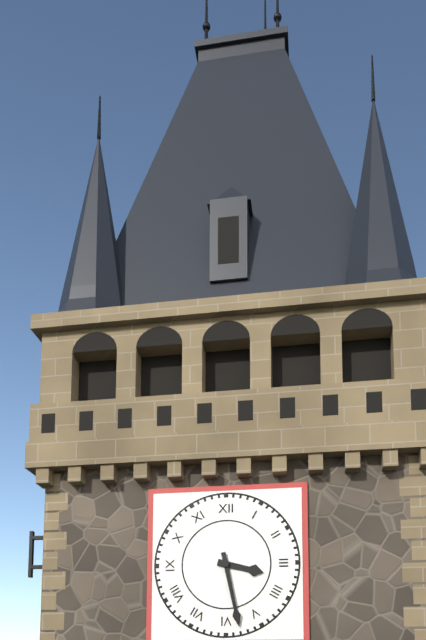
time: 3:28
